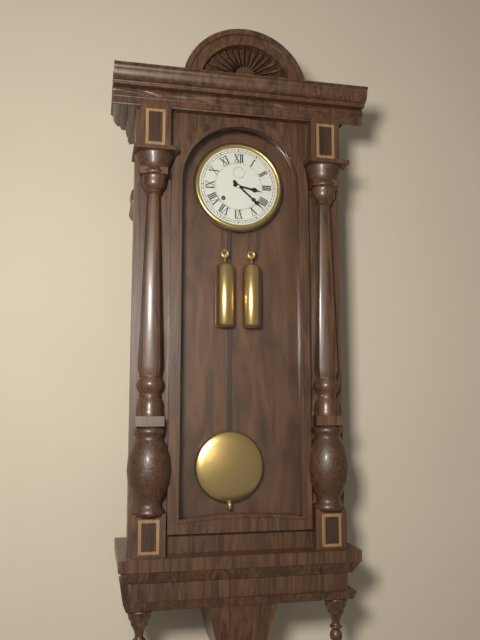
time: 3:22
